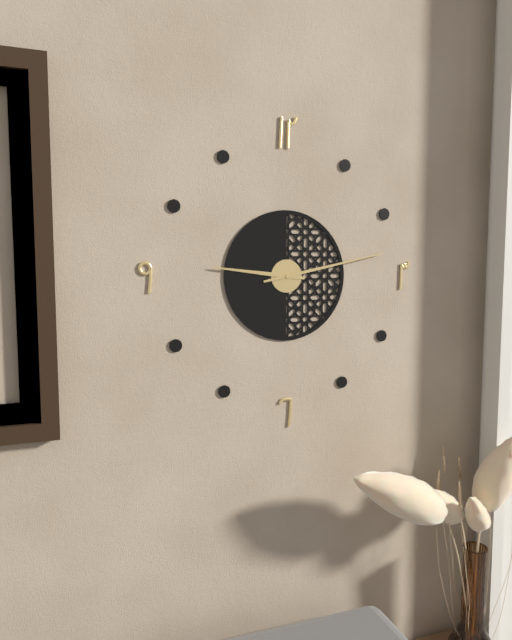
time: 9:13
